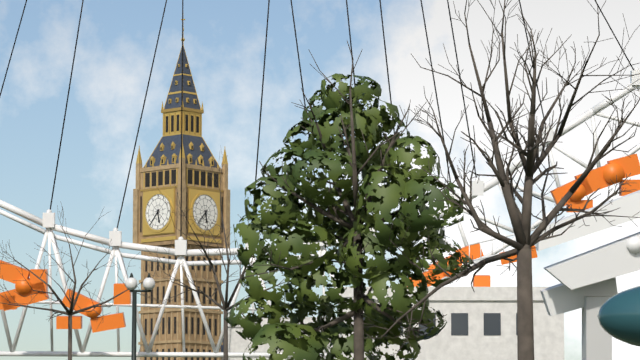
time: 5:37
